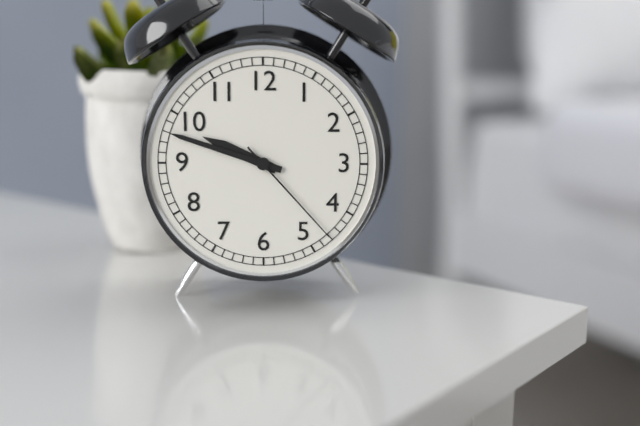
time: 9:48:23
